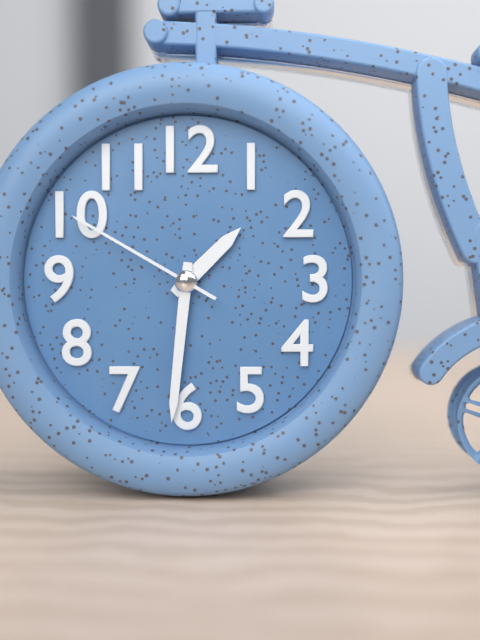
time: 1:31:50
